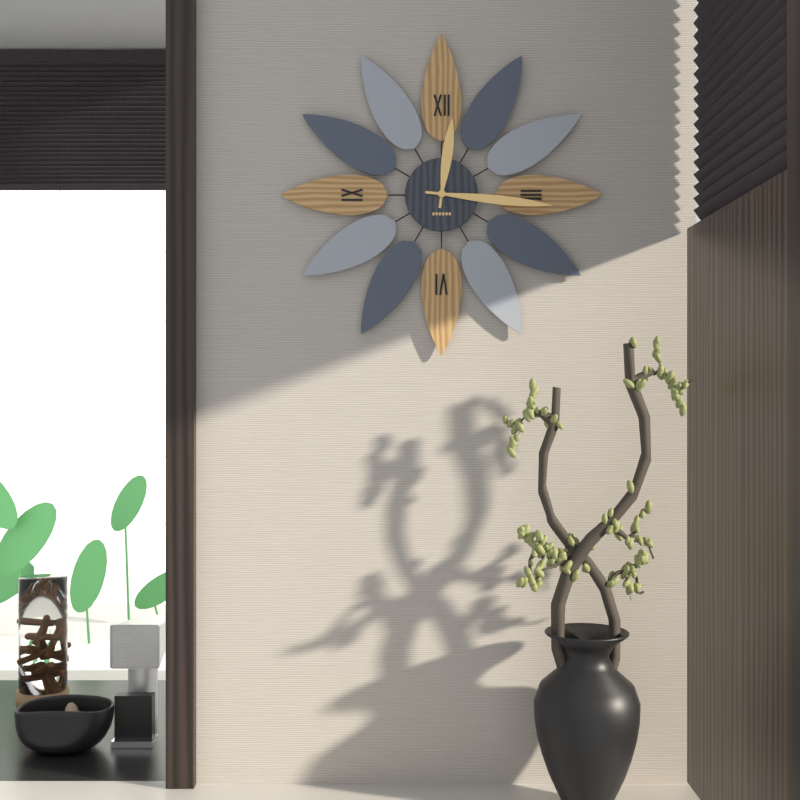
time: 12:16
